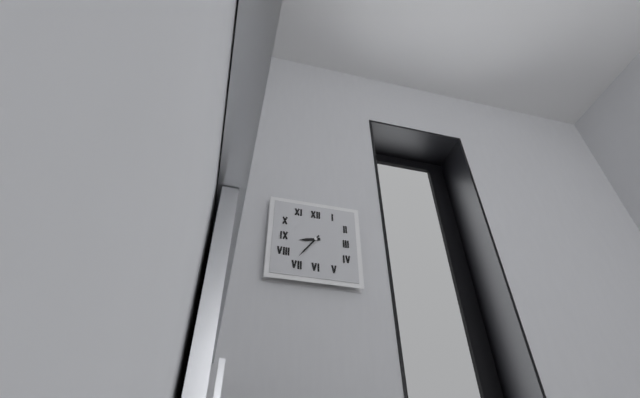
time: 8:36
